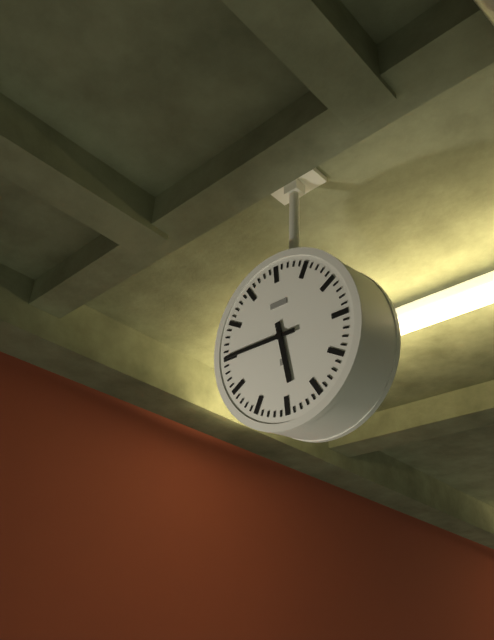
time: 5:45
